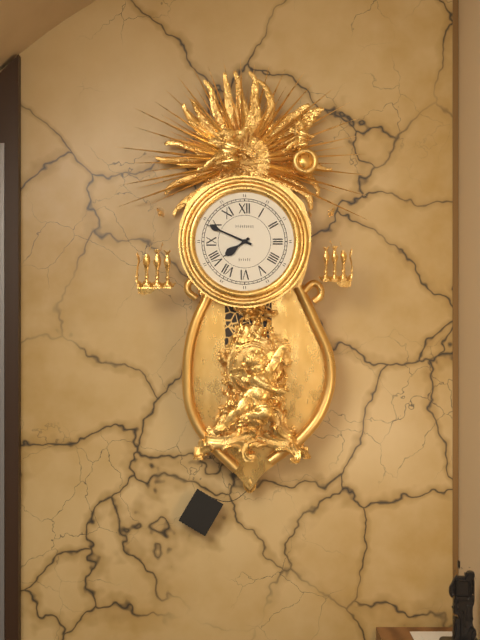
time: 7:49
